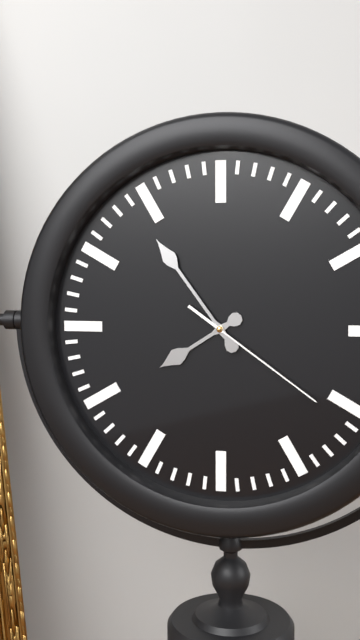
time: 7:54:21
